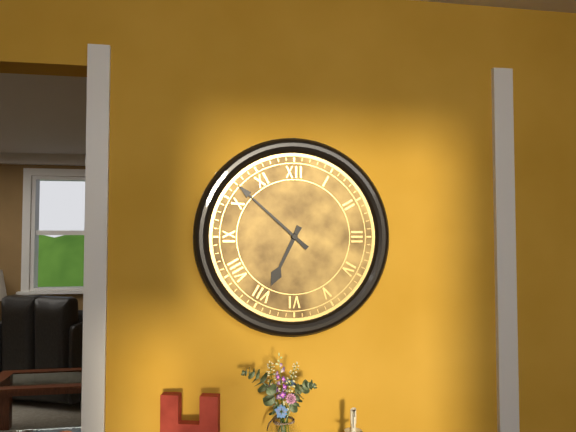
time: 6:52
